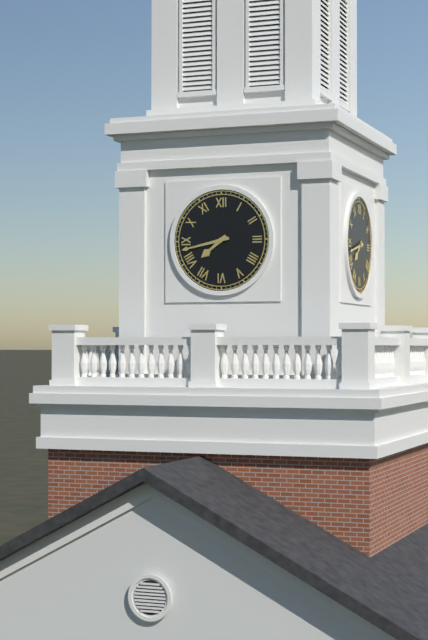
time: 7:43
